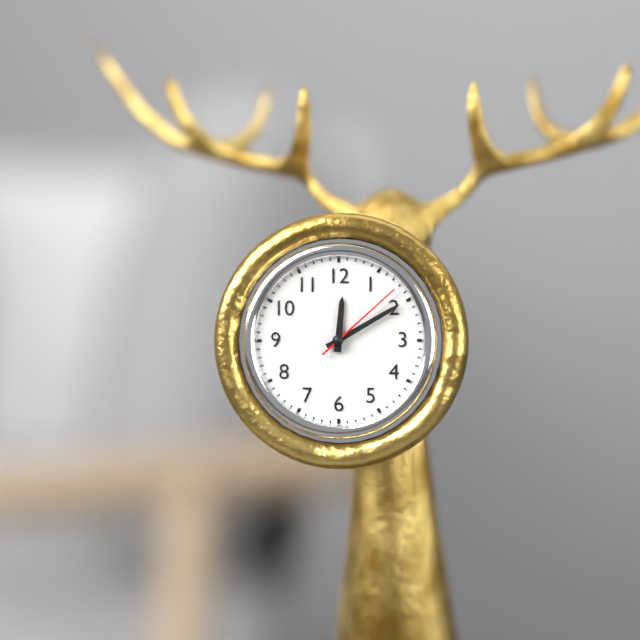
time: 12:10:08
